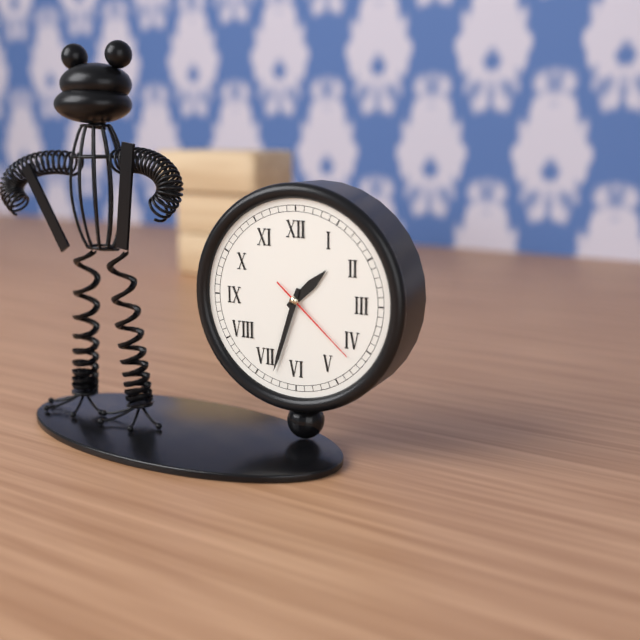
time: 1:33:22
